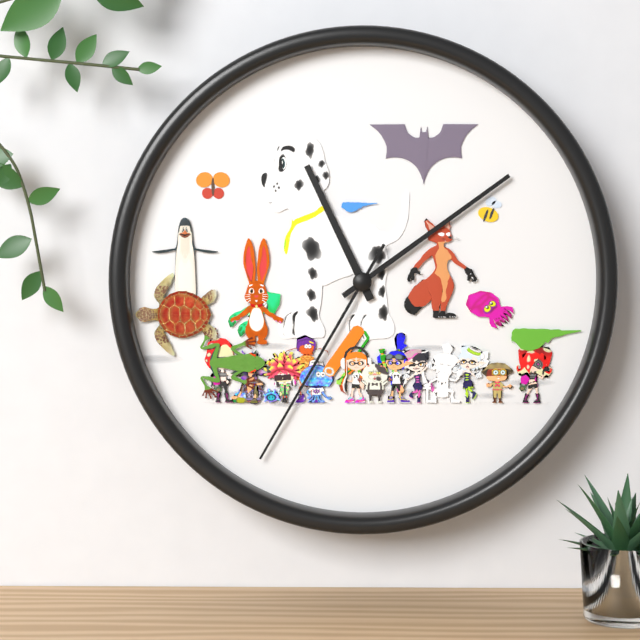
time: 11:09:35
